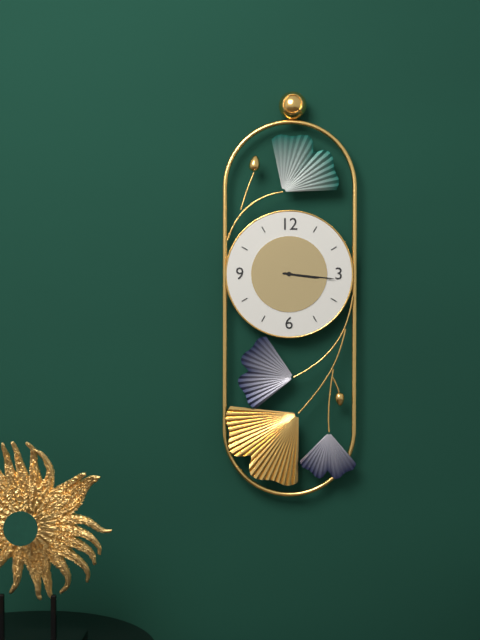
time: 3:16
